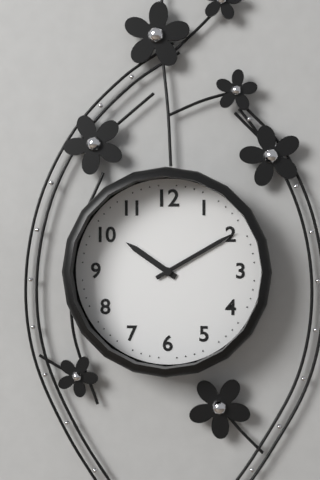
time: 10:10
